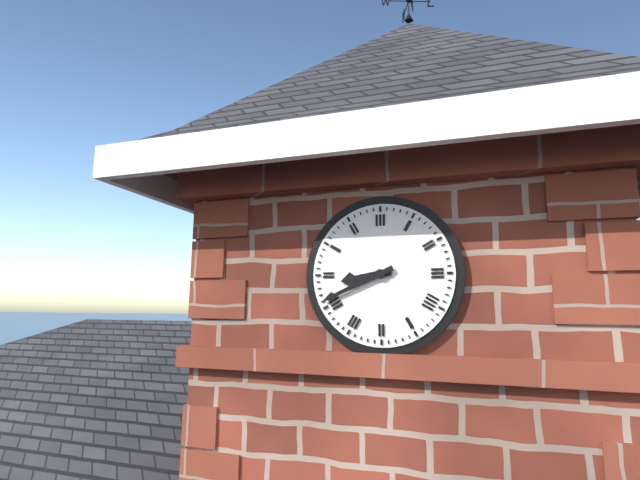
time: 8:41
